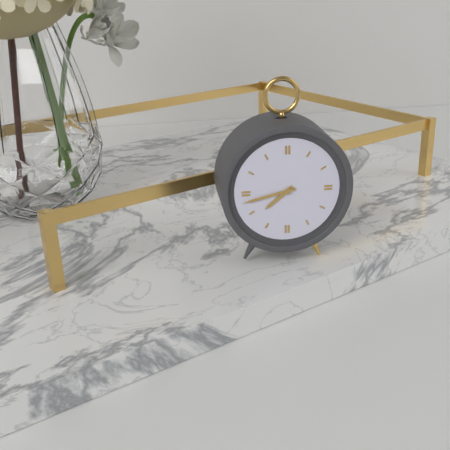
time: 7:43
